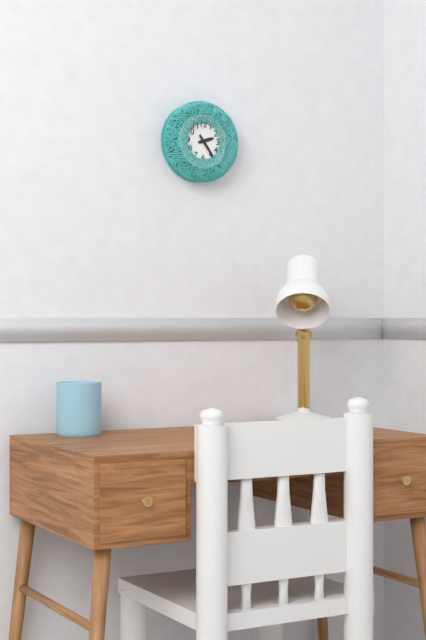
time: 2:24
